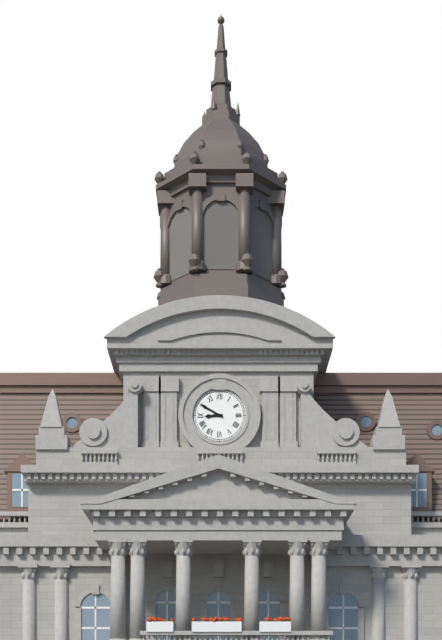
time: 8:50
